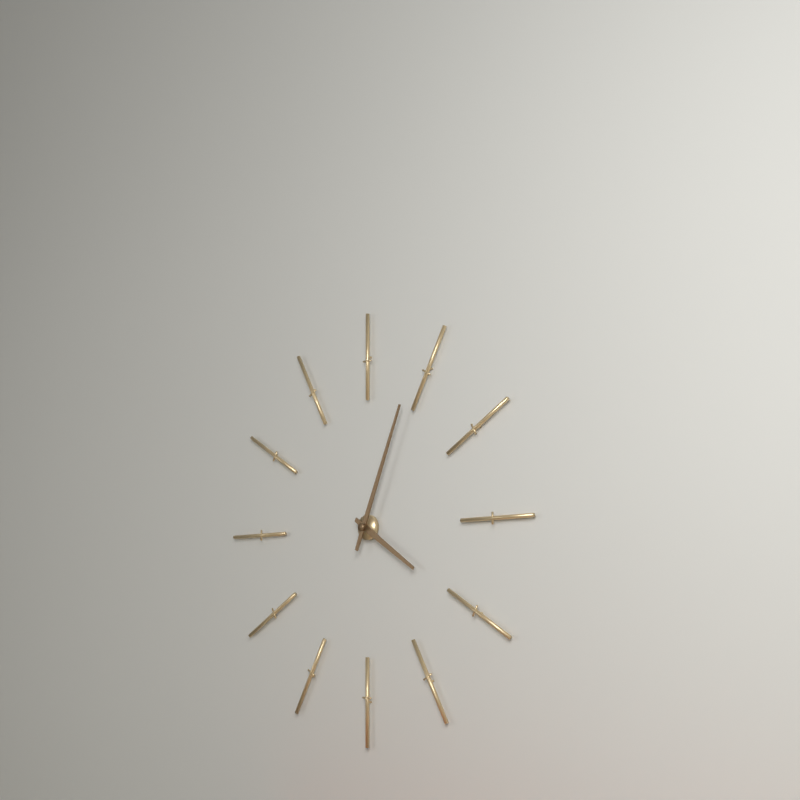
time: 4:04
